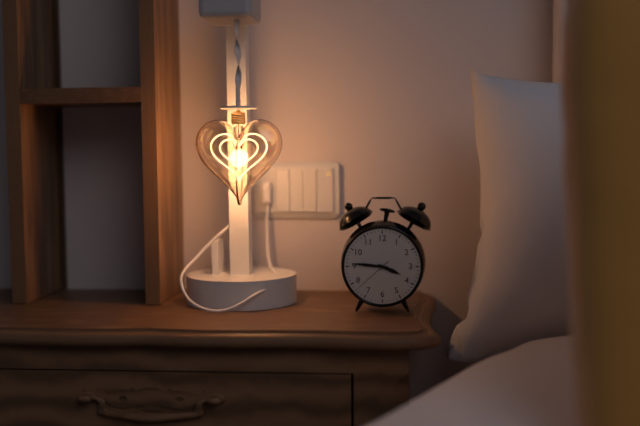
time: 3:46
